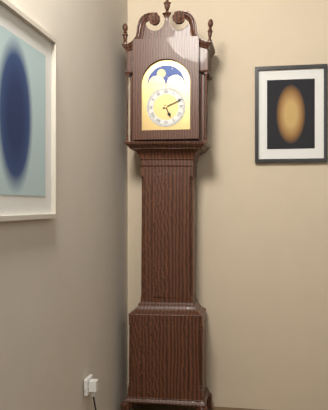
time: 5:11
